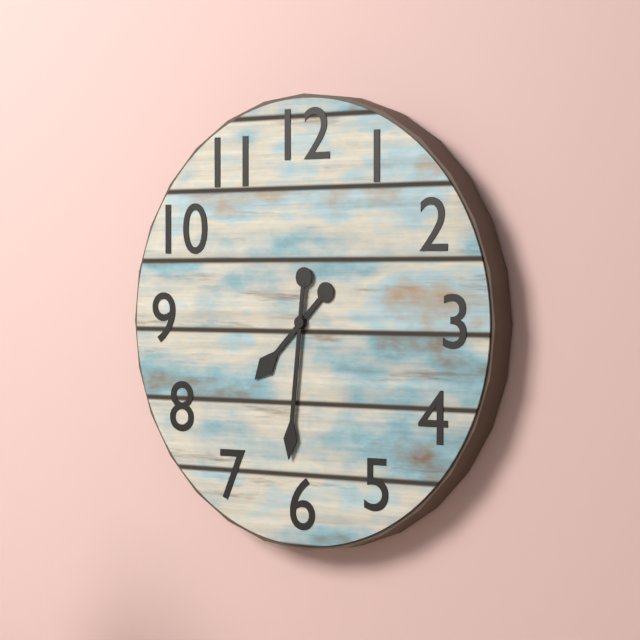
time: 7:31
